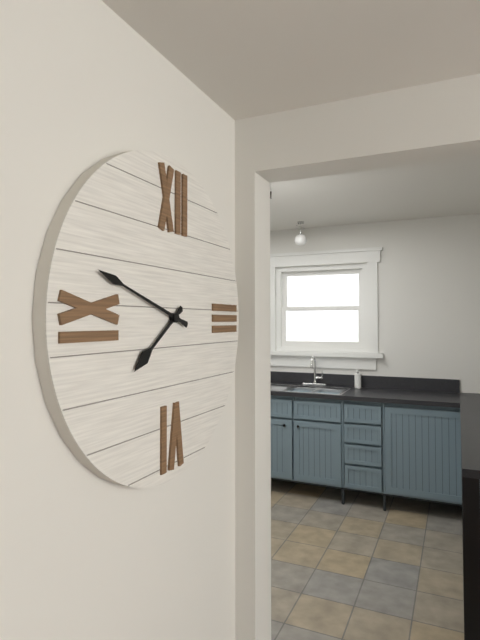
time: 7:48
